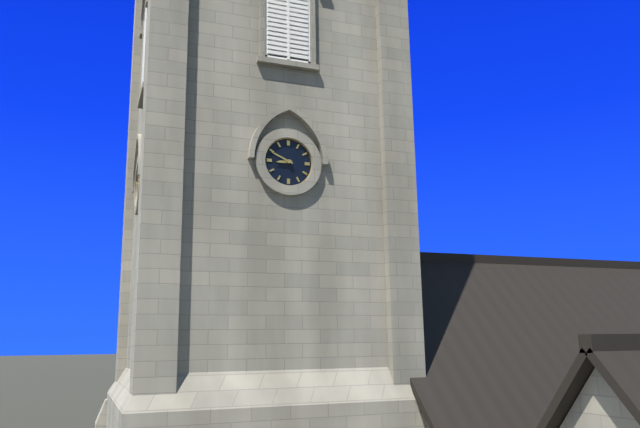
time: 8:49
